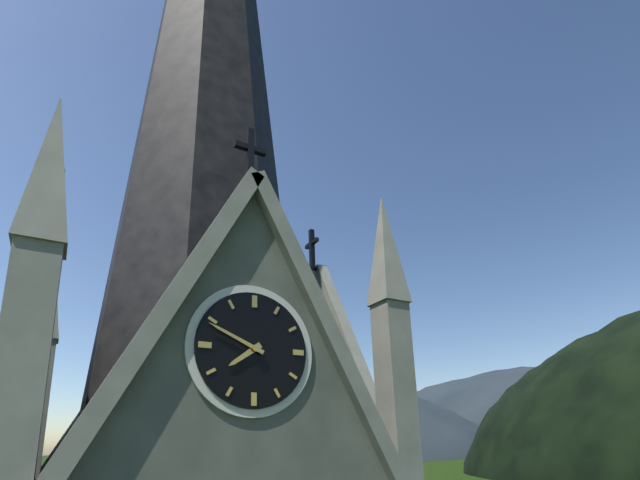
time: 7:49
